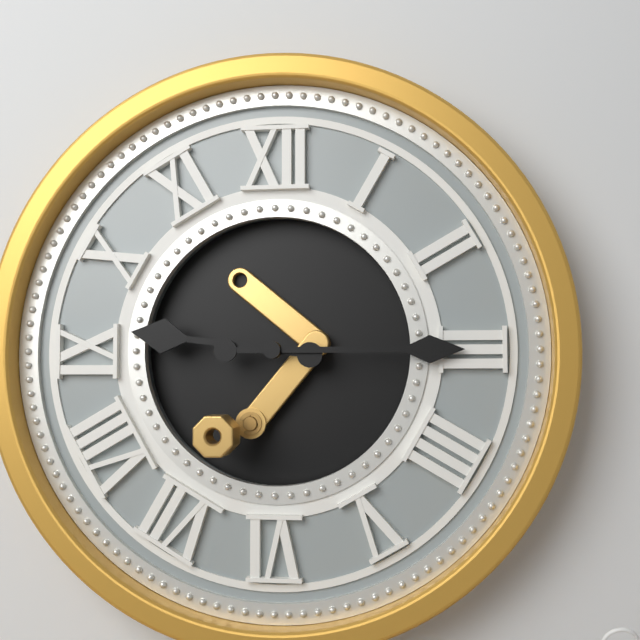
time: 9:15
